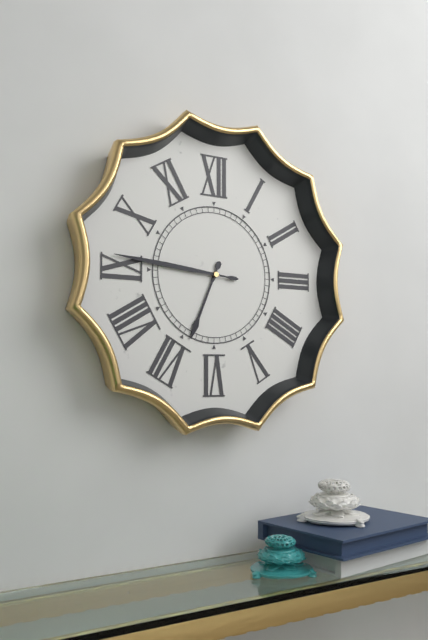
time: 6:46
